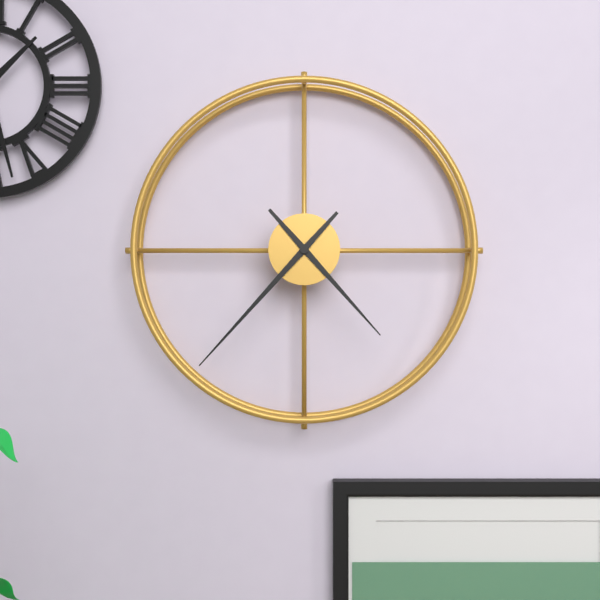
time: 4:37
